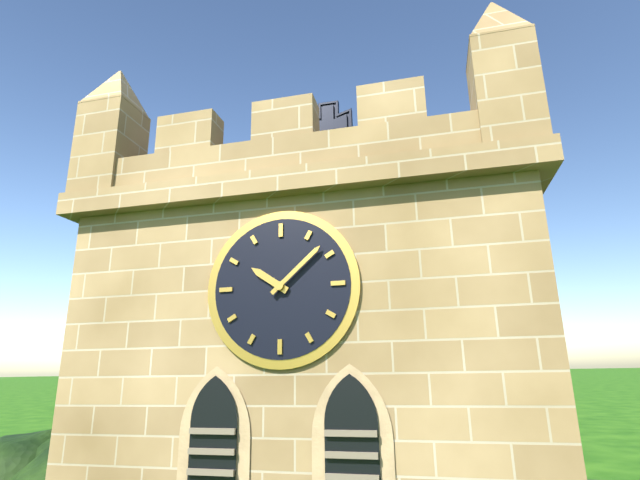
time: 10:08
